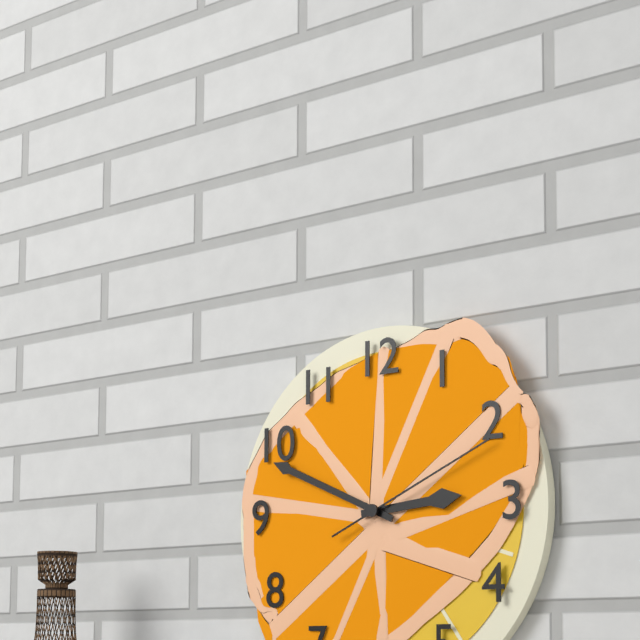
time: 2:49:11
